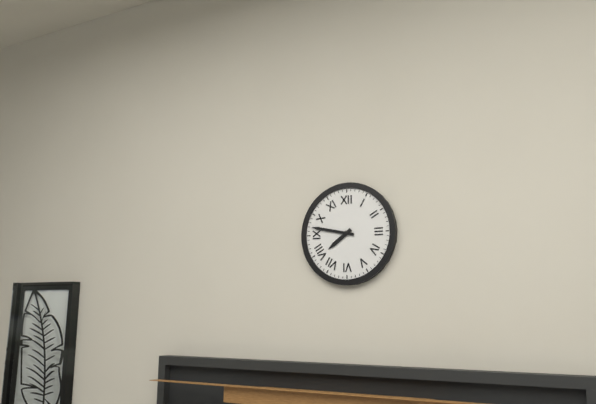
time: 7:47
